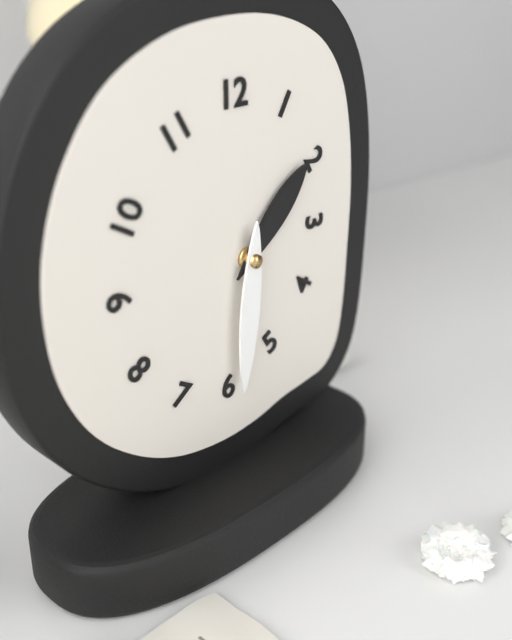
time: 1:31
